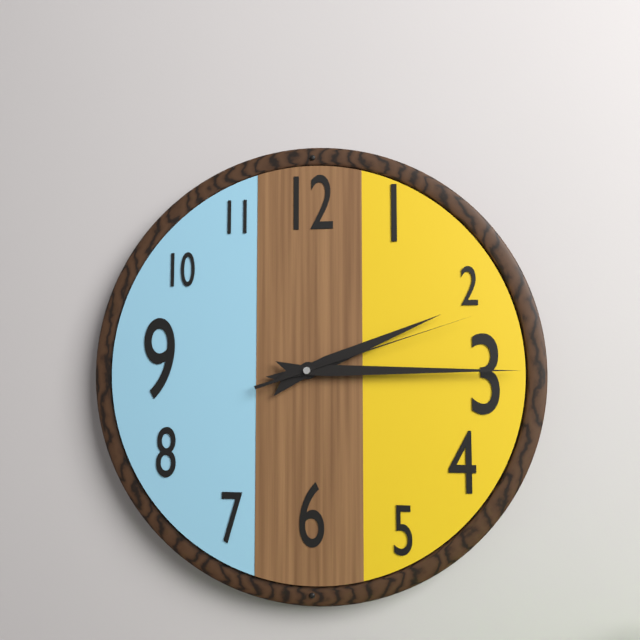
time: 2:15:12
